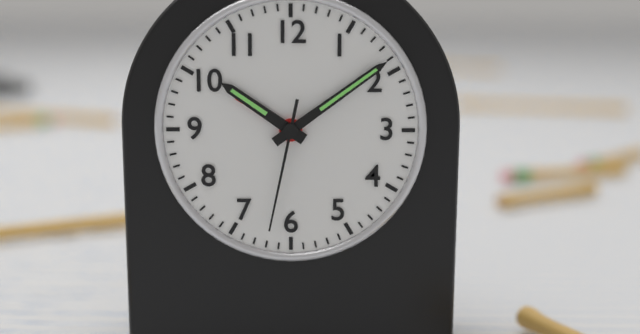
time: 10:09:32
